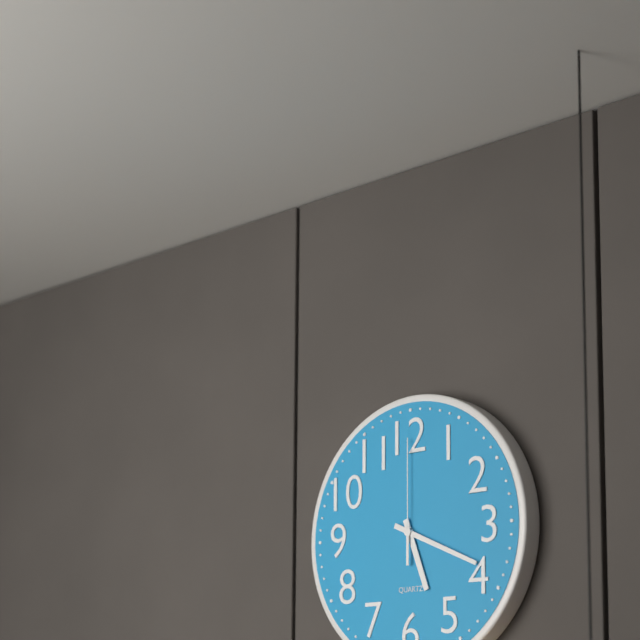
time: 5:19:00
